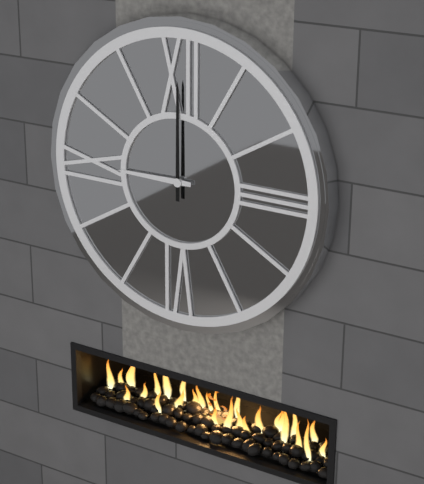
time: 9:00
